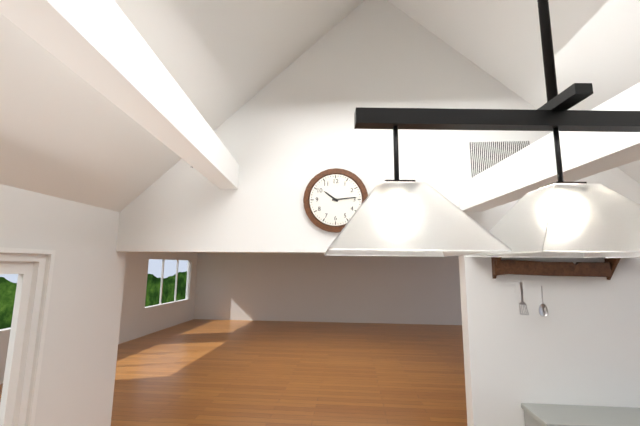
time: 10:14
